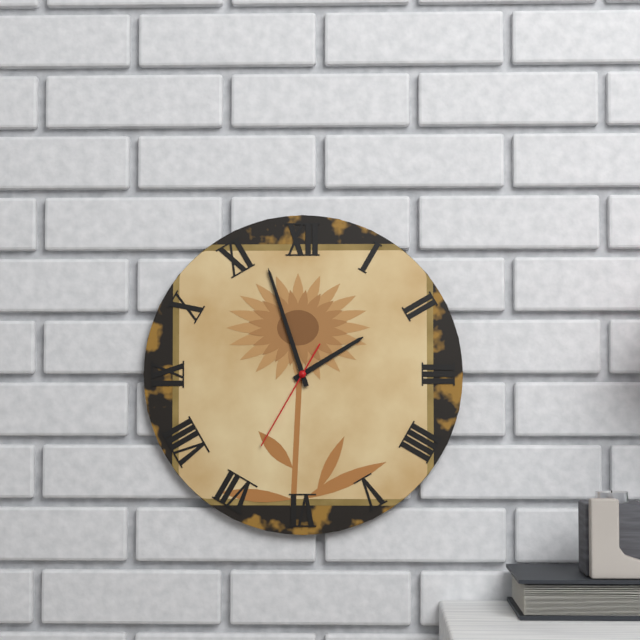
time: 1:57:35
